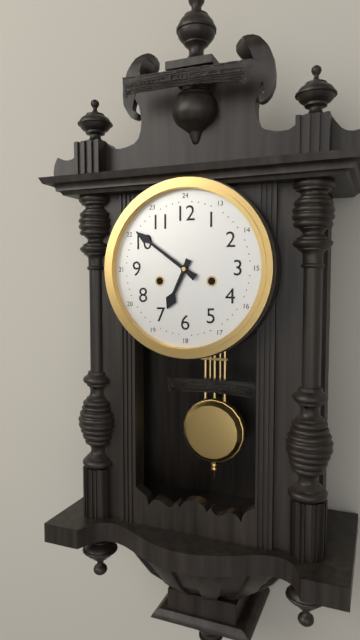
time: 6:51
